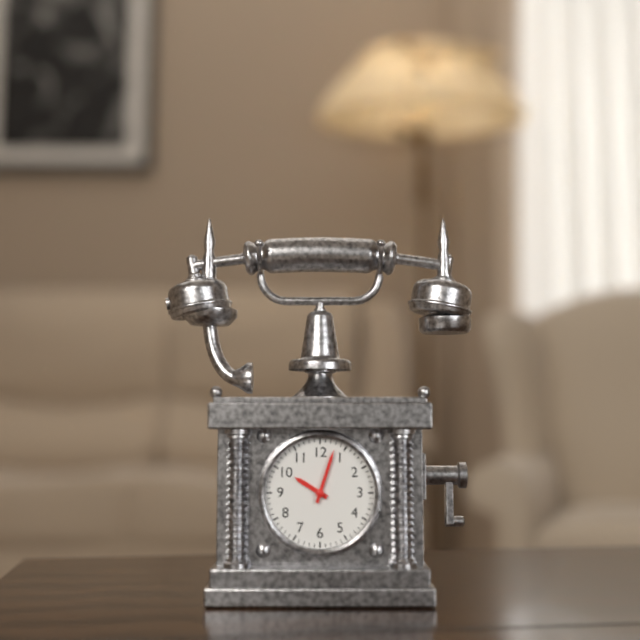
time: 10:03
